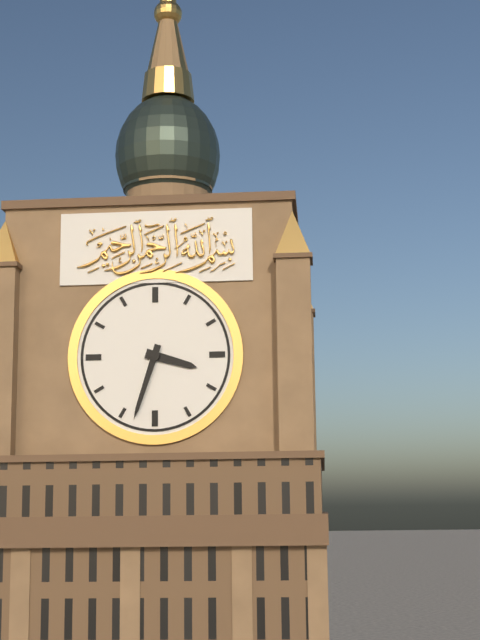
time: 3:33
